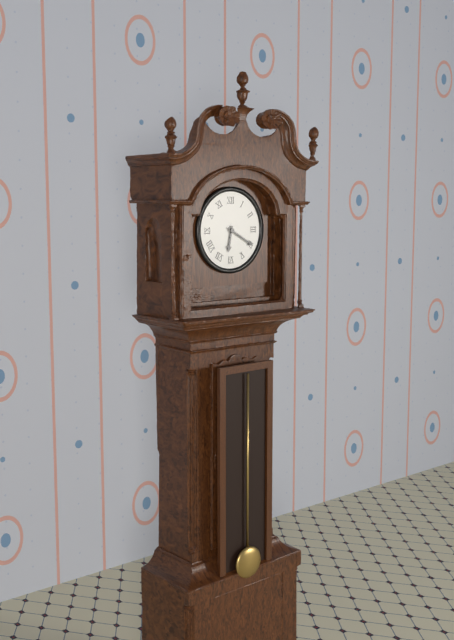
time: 6:20
